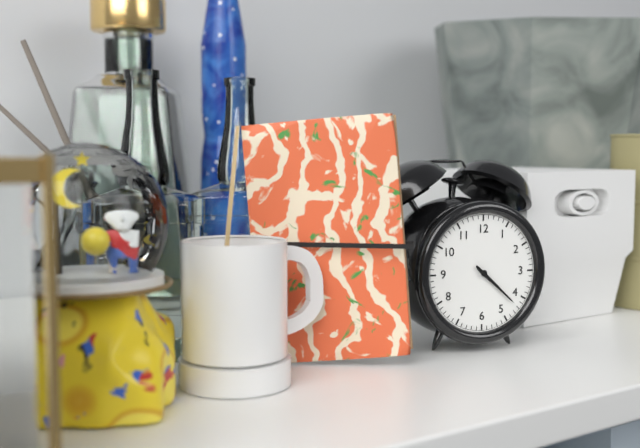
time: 4:22
